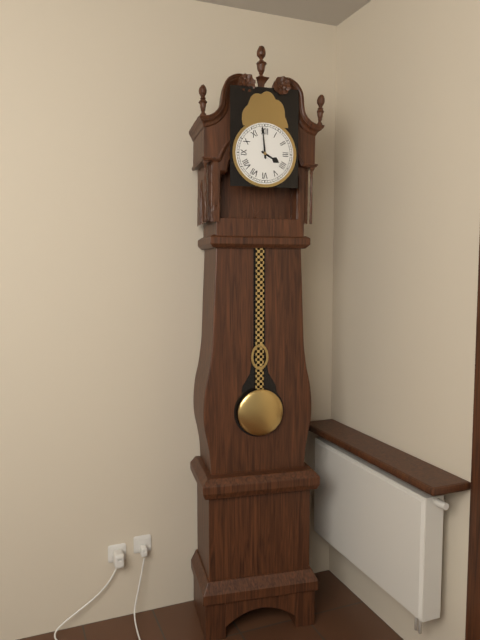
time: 3:59
